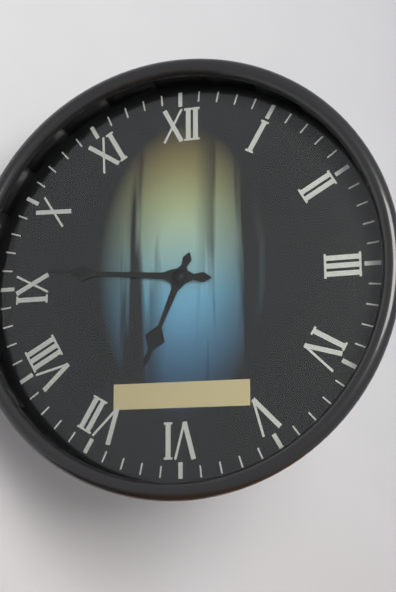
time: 6:46
